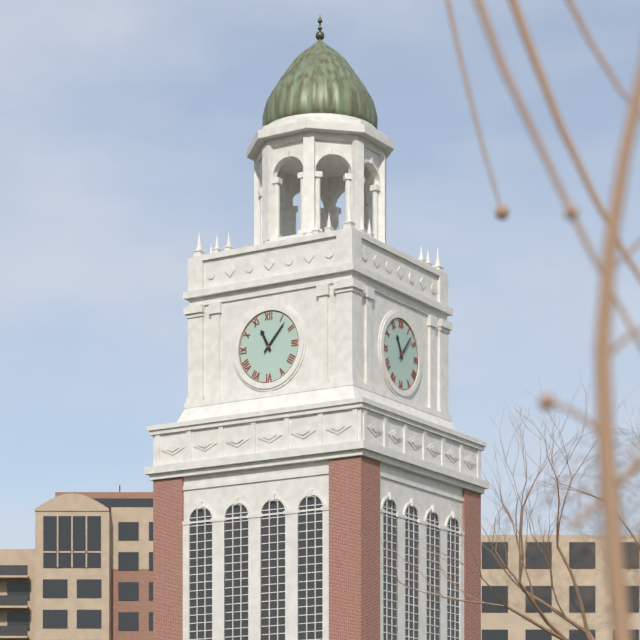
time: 11:07
